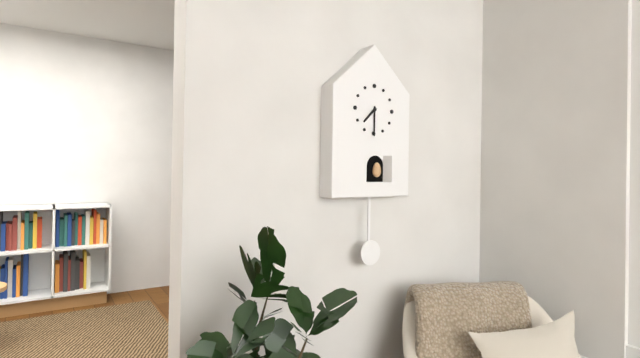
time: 7:30
